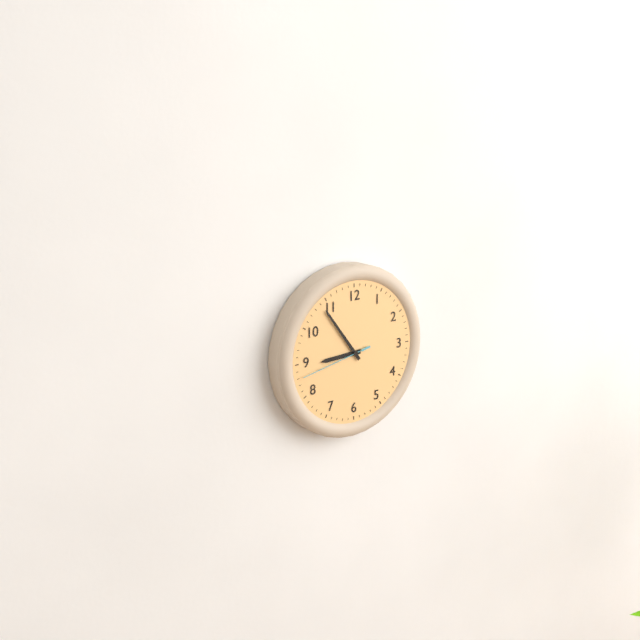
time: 8:54:43
